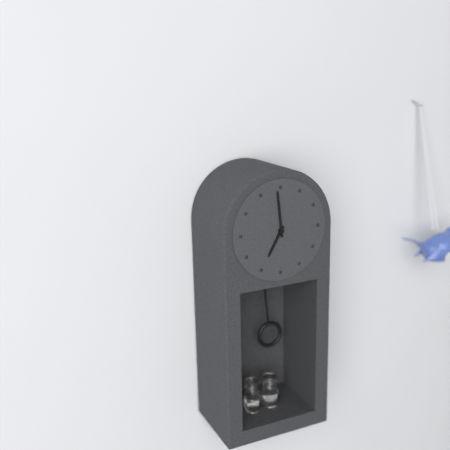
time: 6:59
